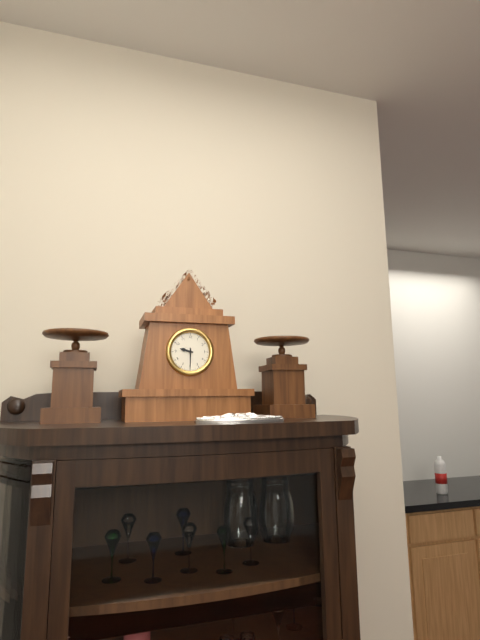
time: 9:30
